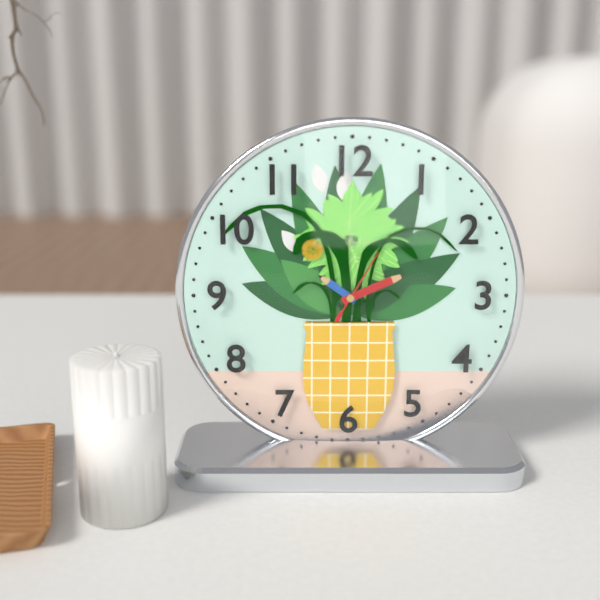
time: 10:11:05
